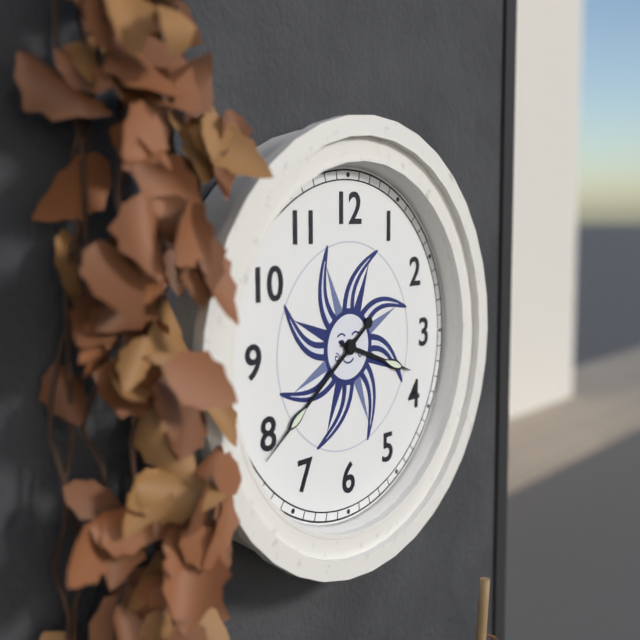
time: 3:39
